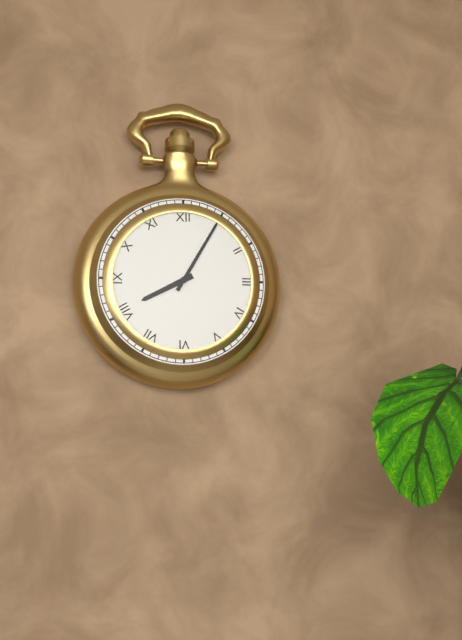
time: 8:05
